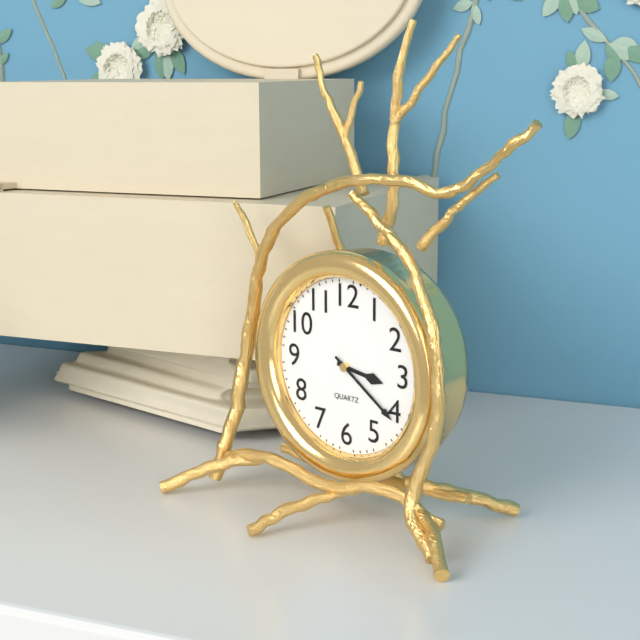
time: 3:21
